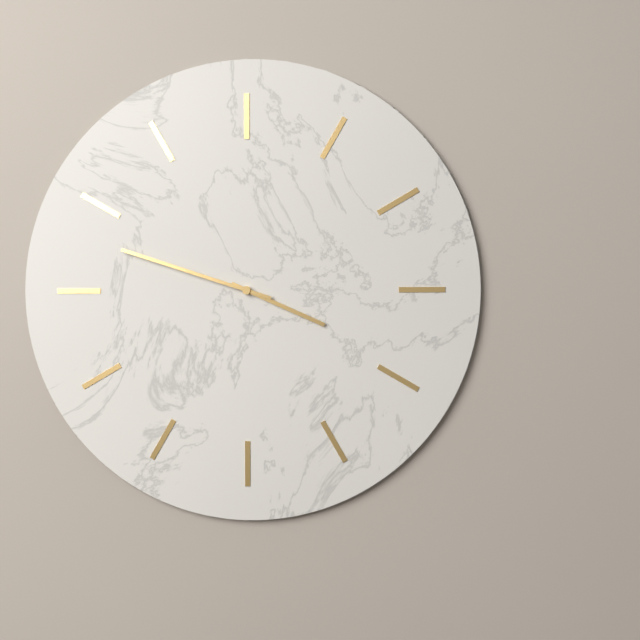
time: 3:48
